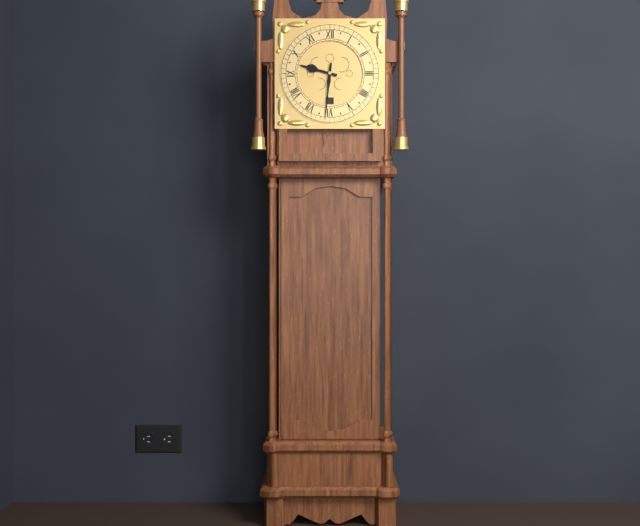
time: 9:31
